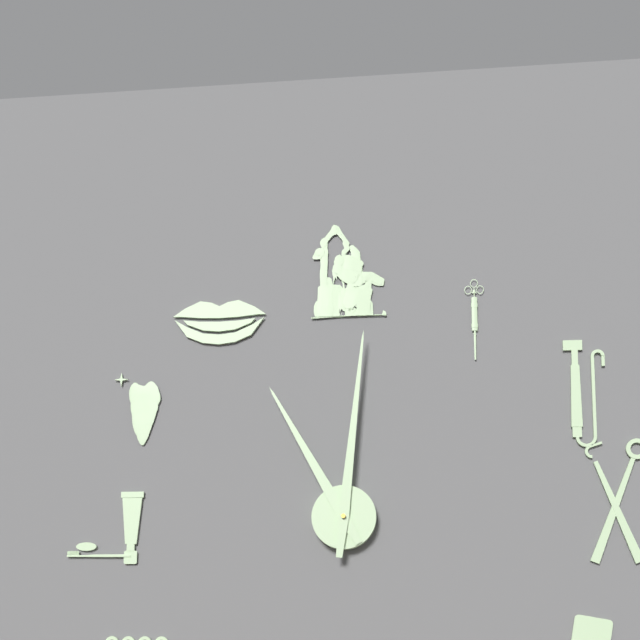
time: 11:01
